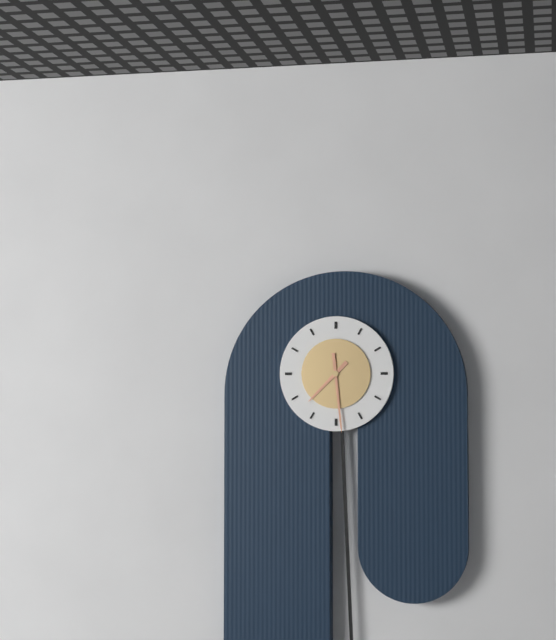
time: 7:29
